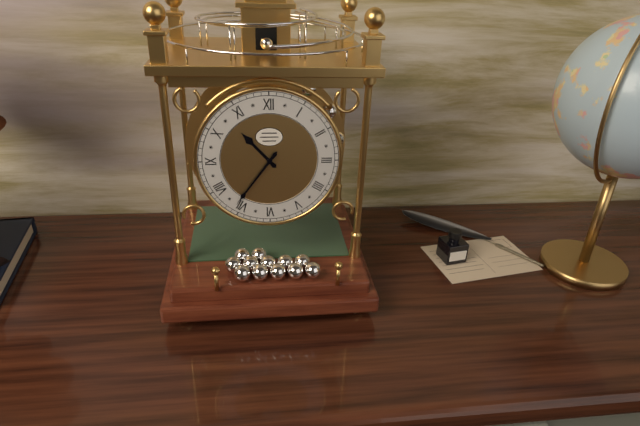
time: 10:36
